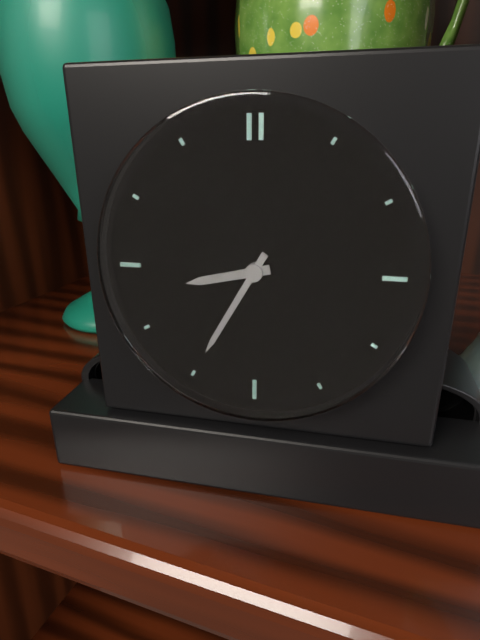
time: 8:35
